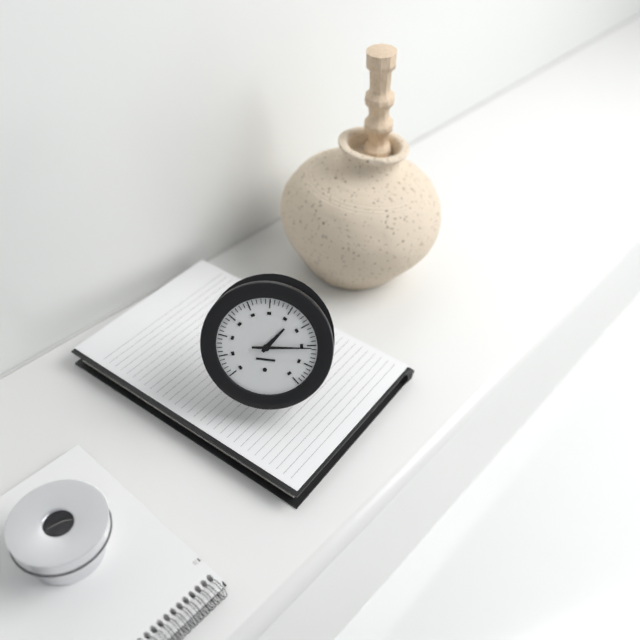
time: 1:14
